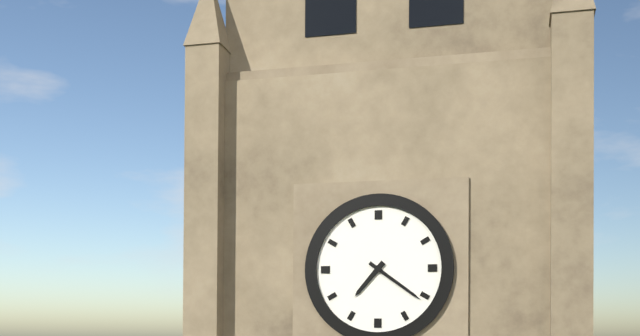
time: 7:21
